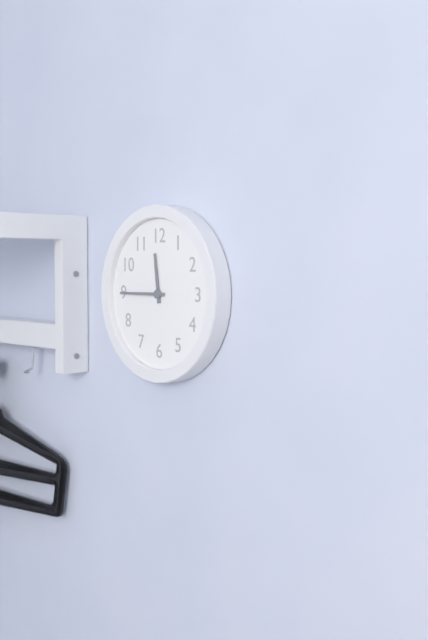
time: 11:45
